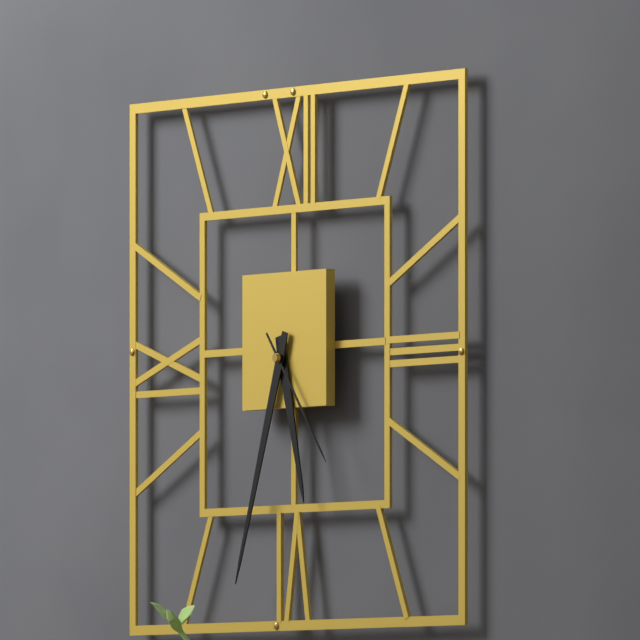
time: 5:33:24
